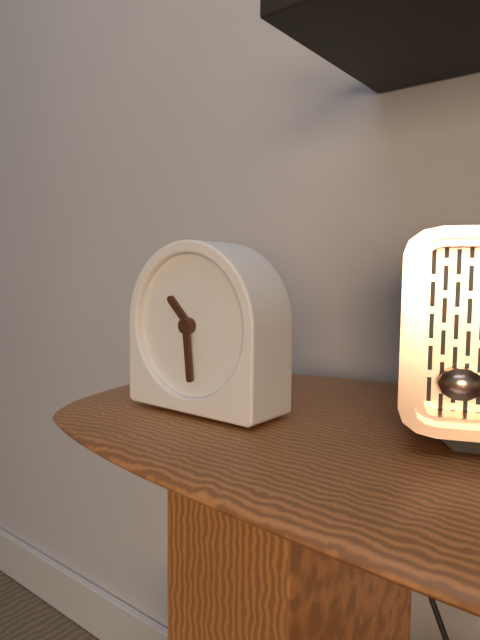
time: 10:29
